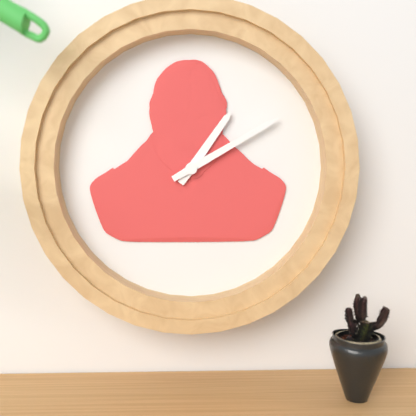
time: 1:10
